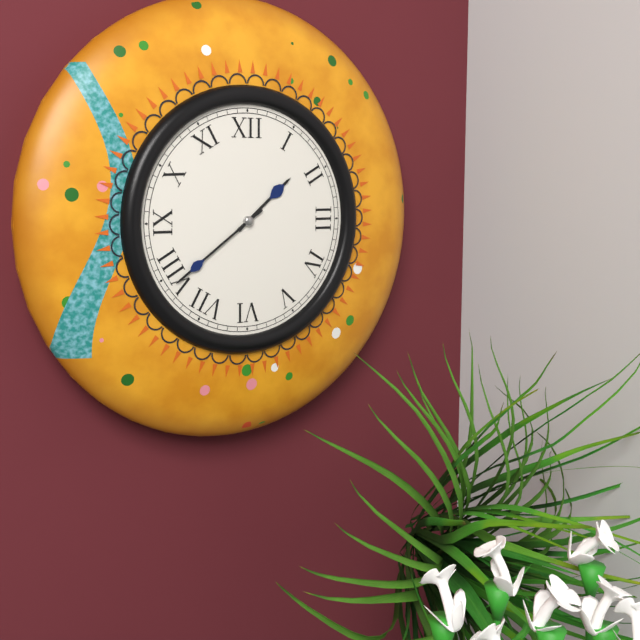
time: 1:39
